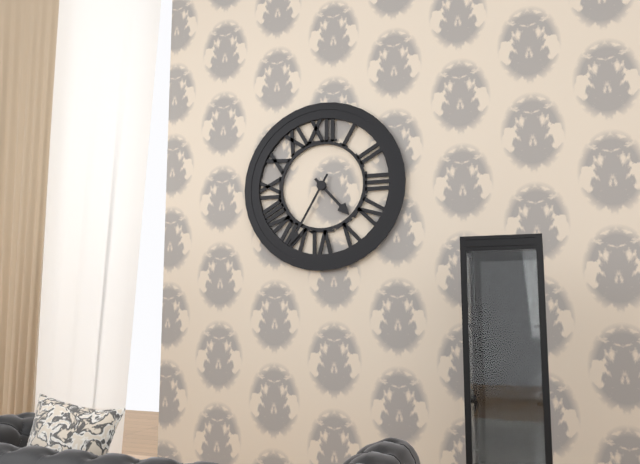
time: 4:35
